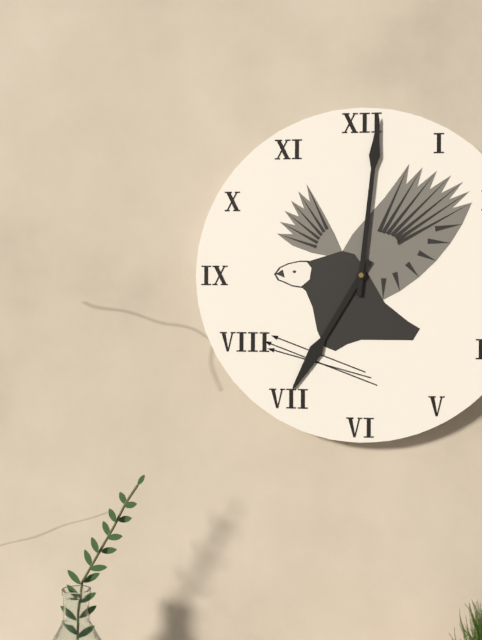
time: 7:01
